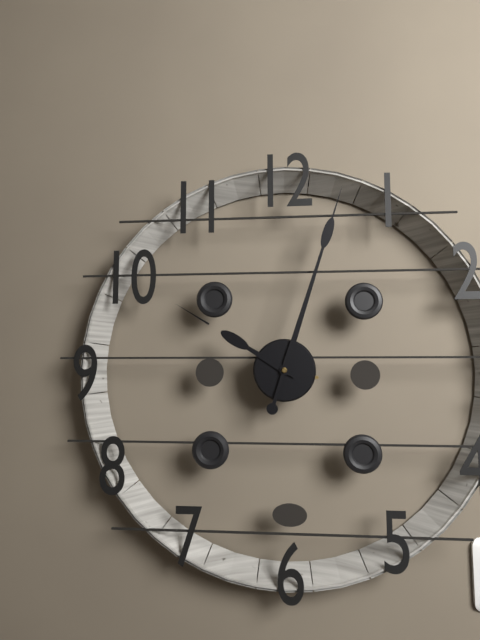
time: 10:03
